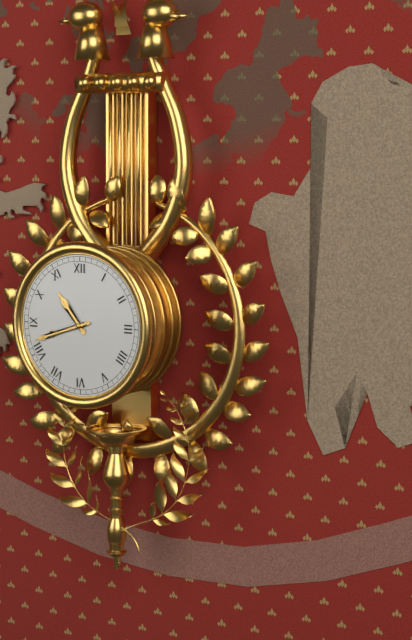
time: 10:42
